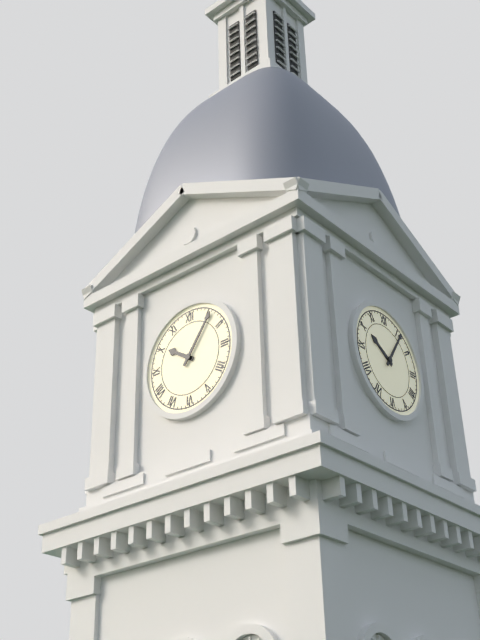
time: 10:06
